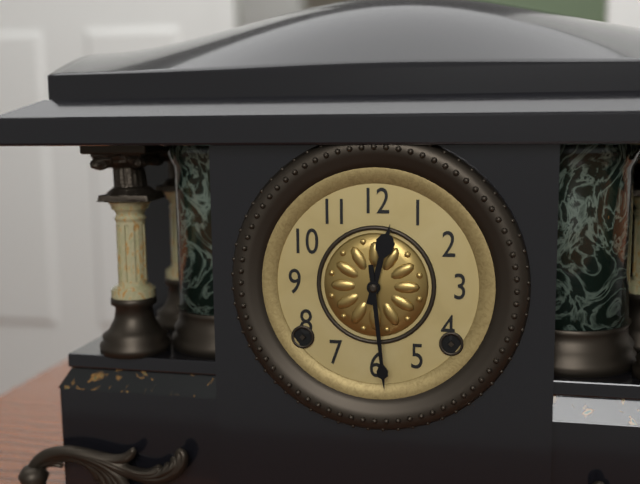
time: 12:29
